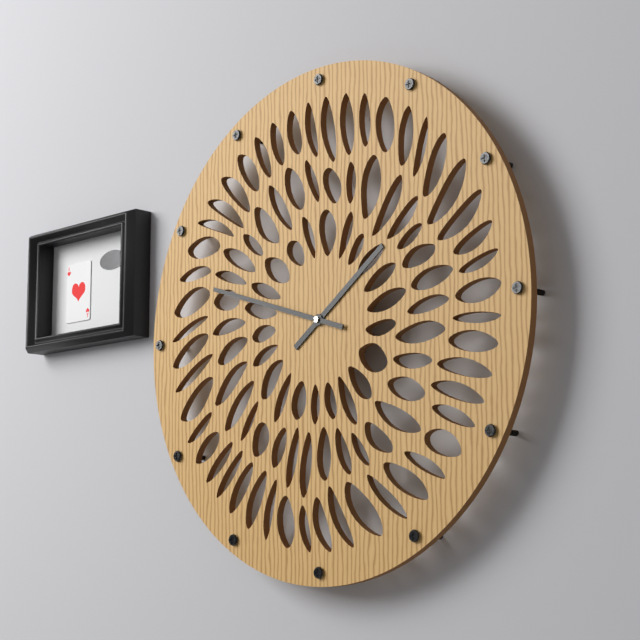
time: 1:48
